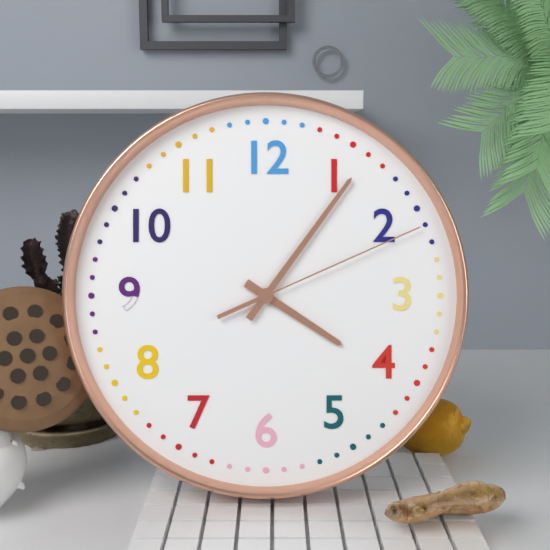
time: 4:06:11
